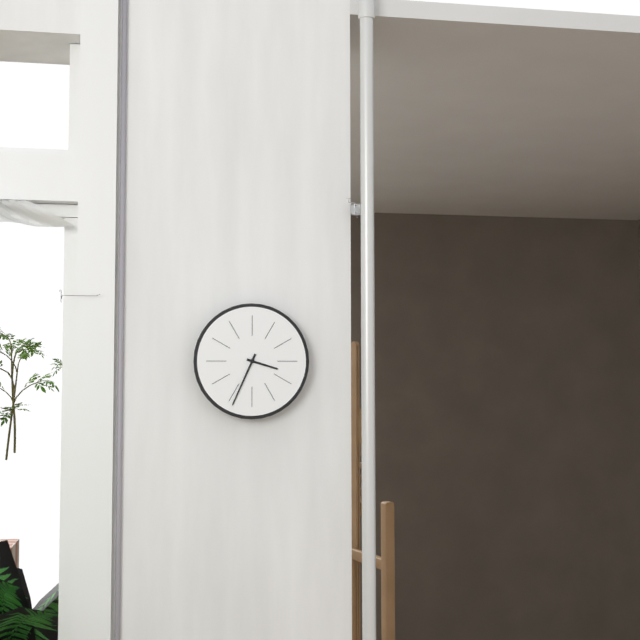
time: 3:34
